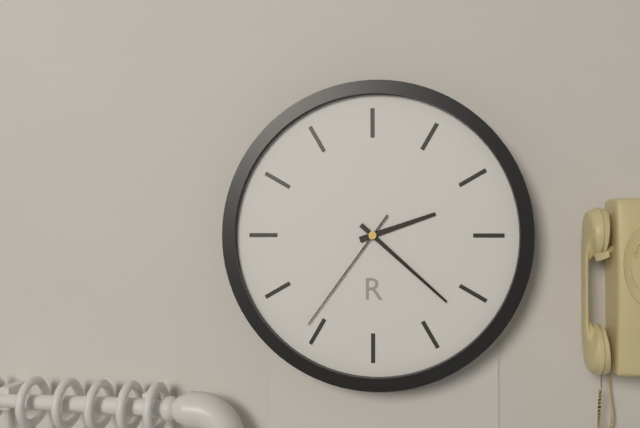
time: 2:22:36
